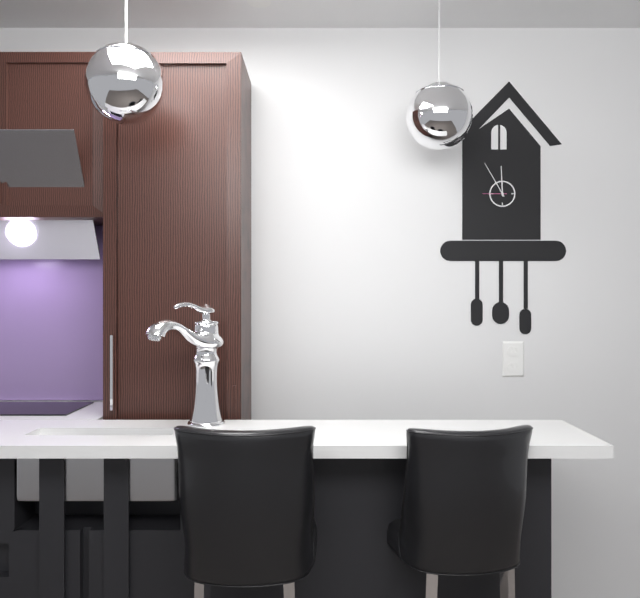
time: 11:55
